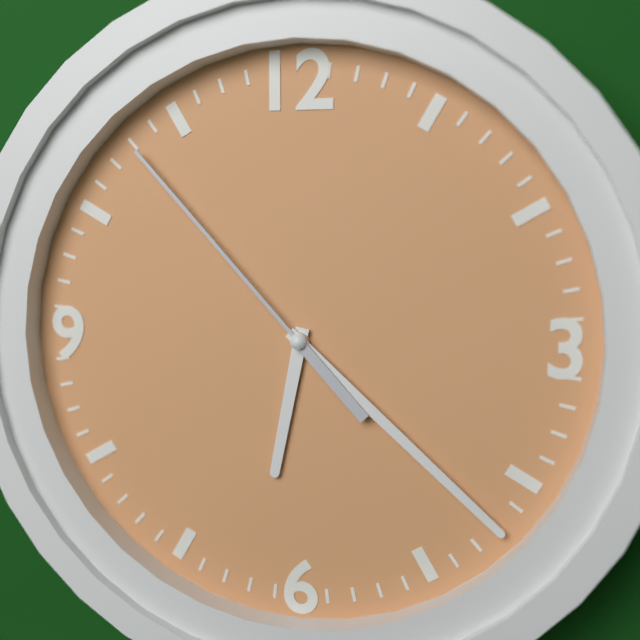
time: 6:22:53
